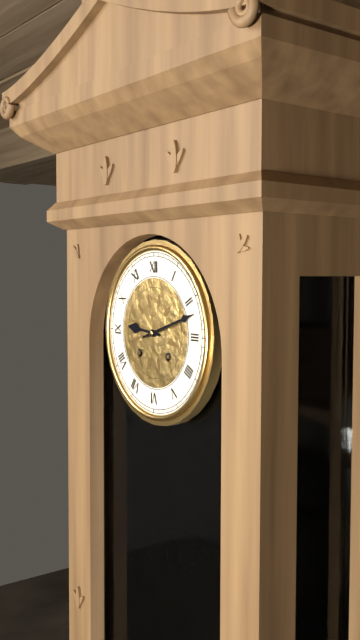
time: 9:12
